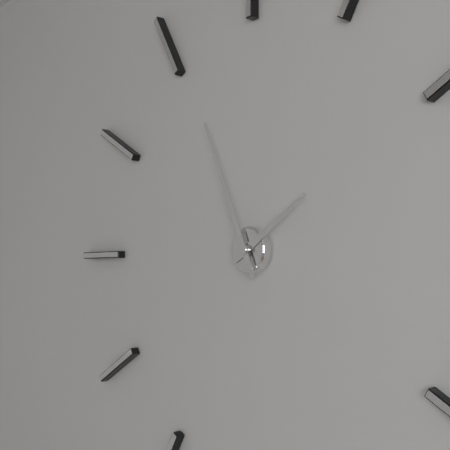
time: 1:56
